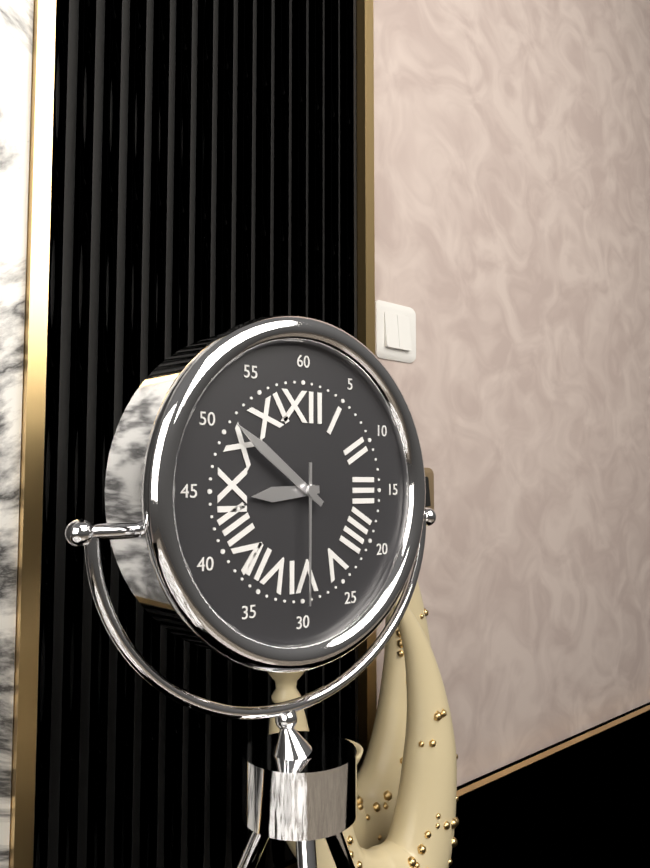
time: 8:51:30
